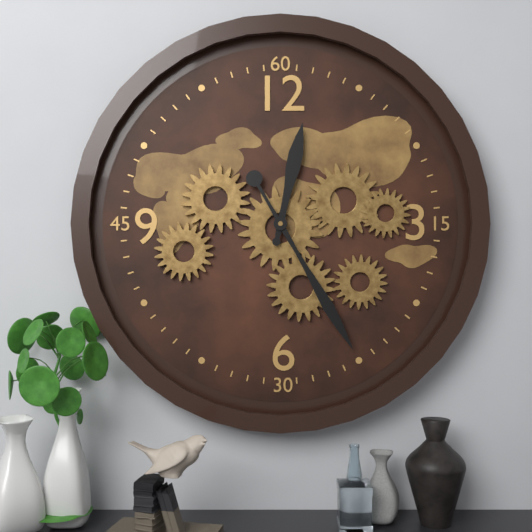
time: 12:25
